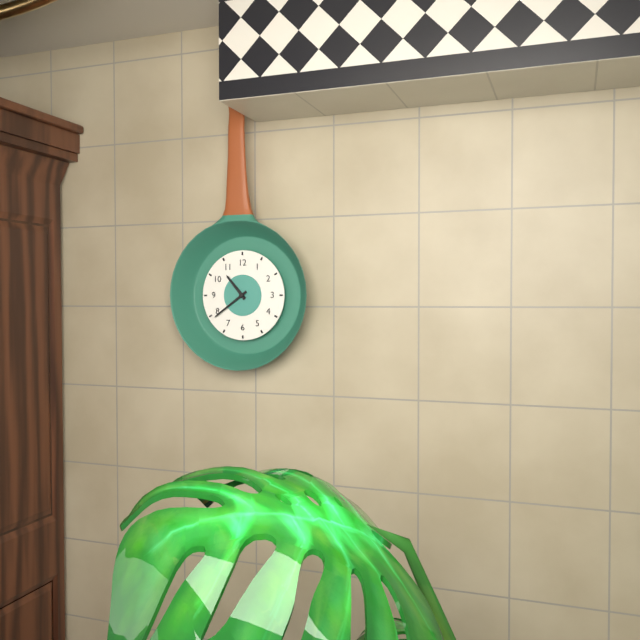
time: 10:39
